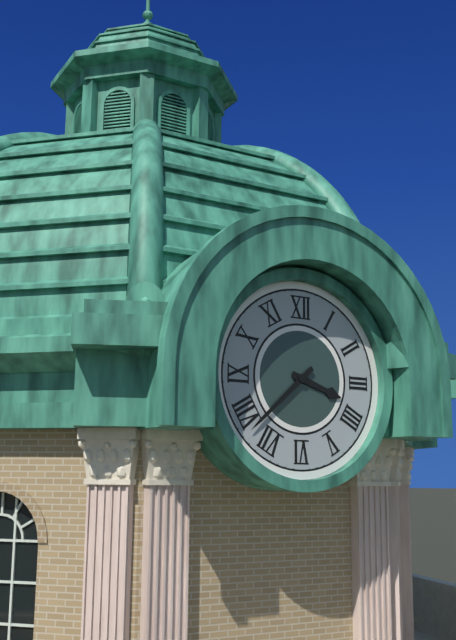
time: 3:38
